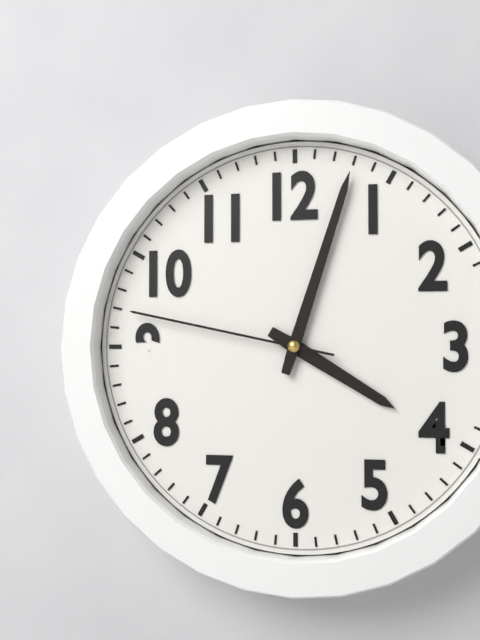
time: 4:03:47
